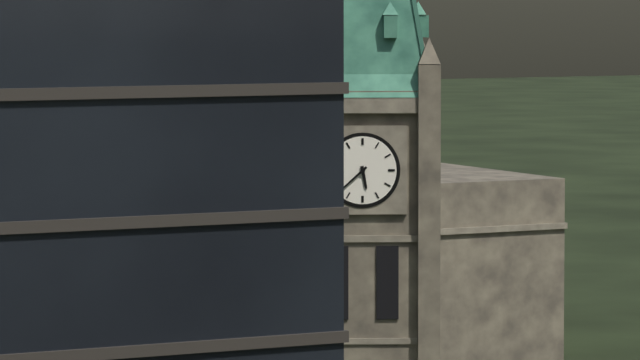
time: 5:38
